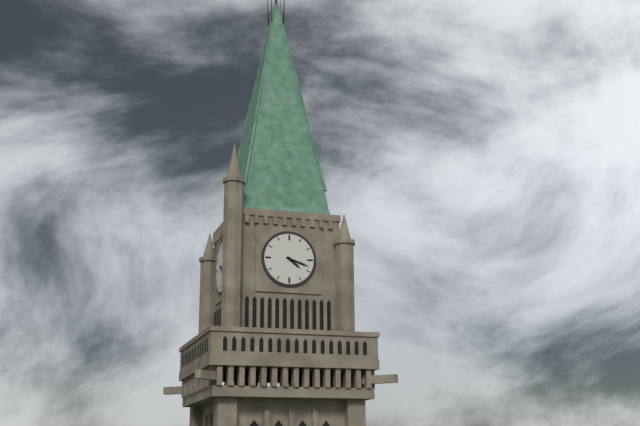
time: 4:18
